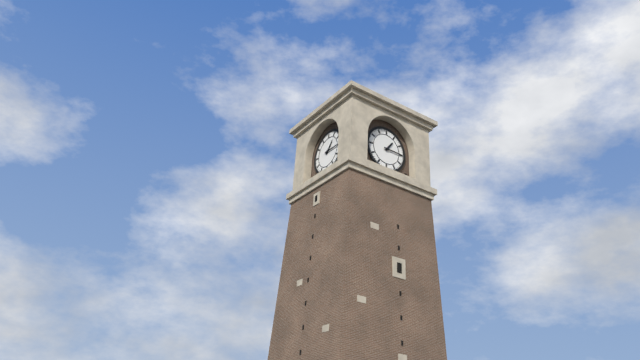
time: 1:15
